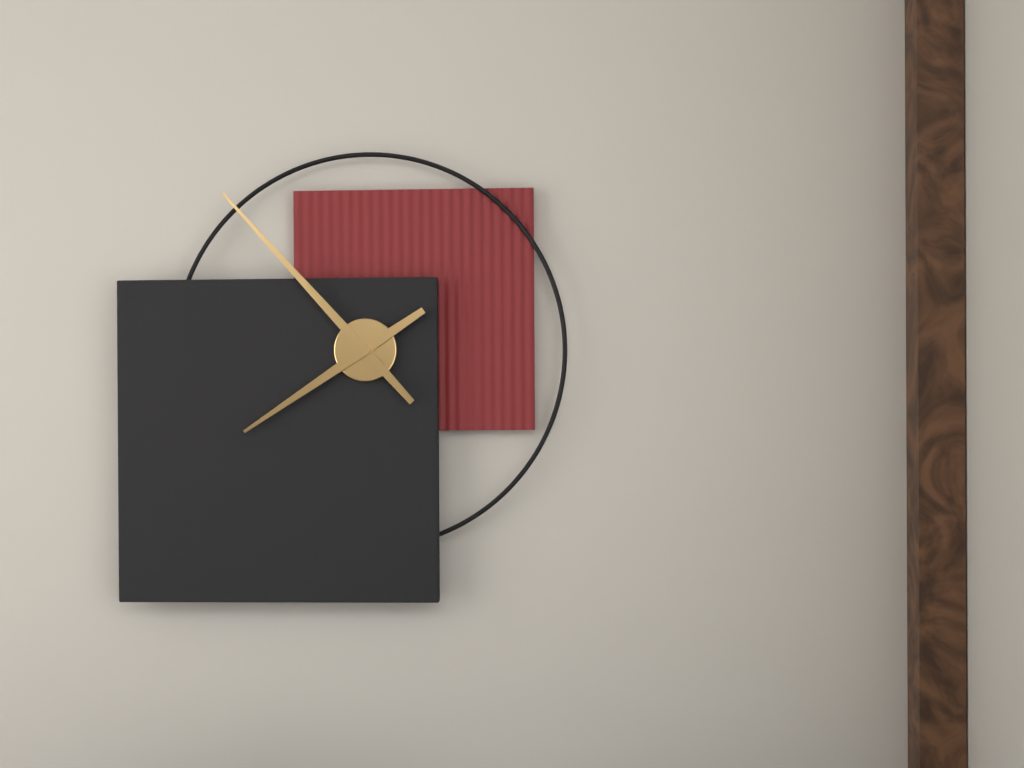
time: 7:53
